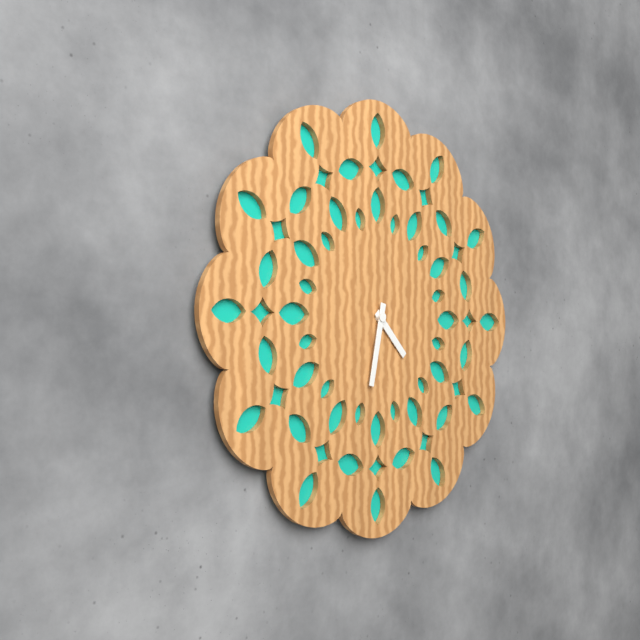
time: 4:32
